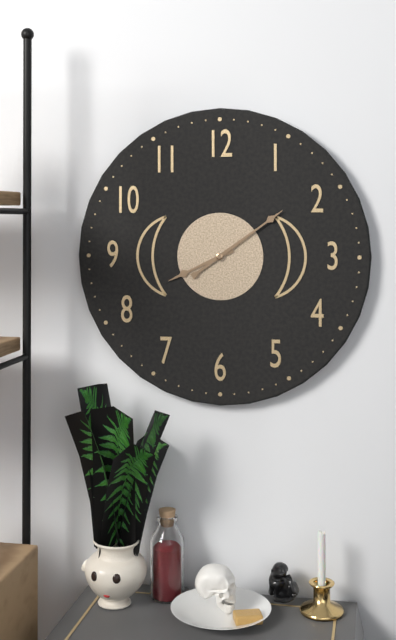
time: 8:09
